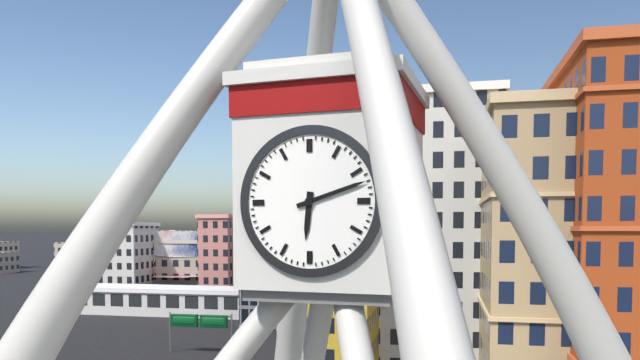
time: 6:12
